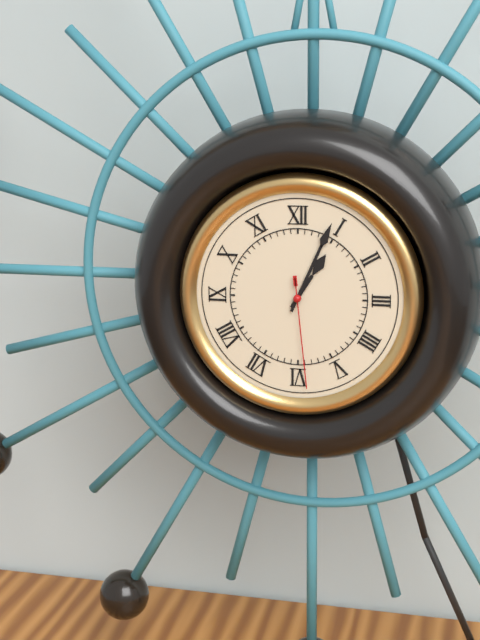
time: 1:04:29
